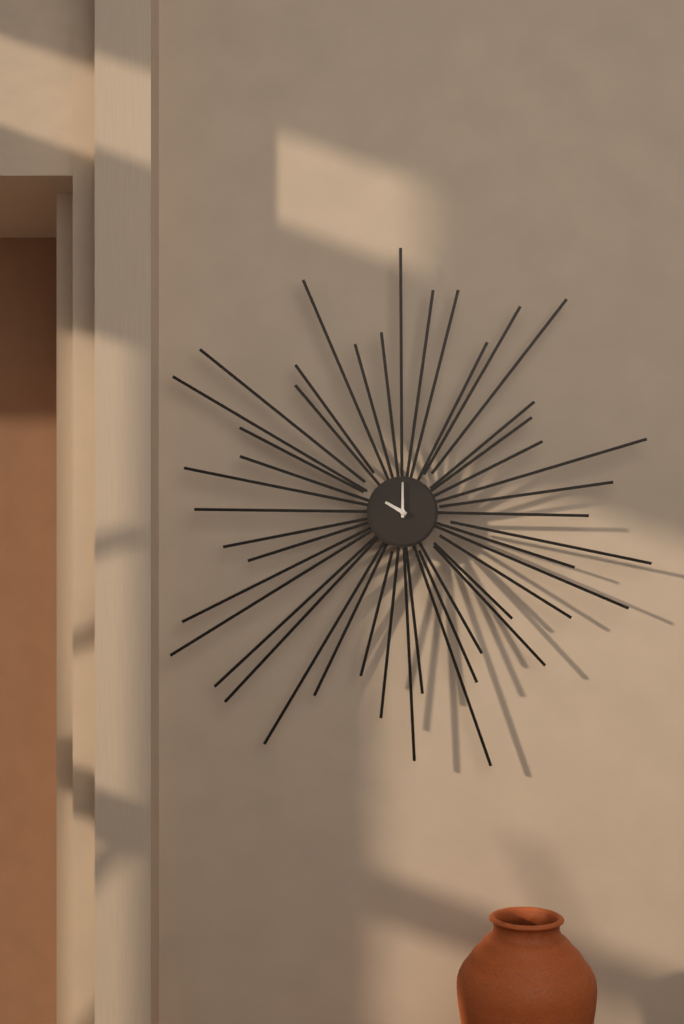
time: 10:00
